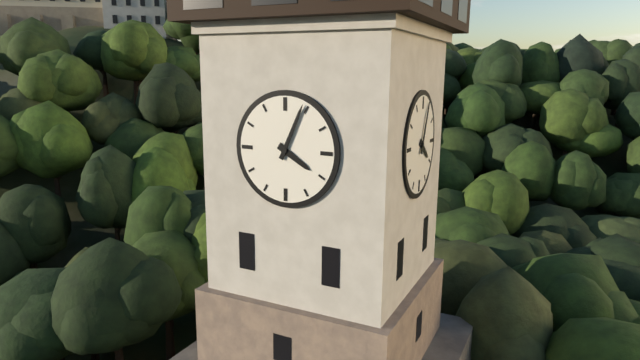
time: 4:04
